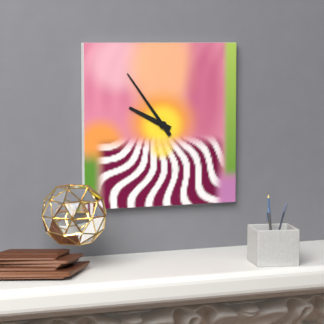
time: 9:54
